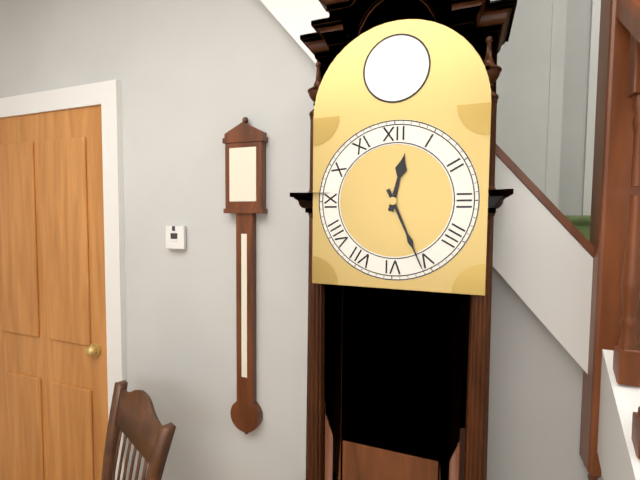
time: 12:26
